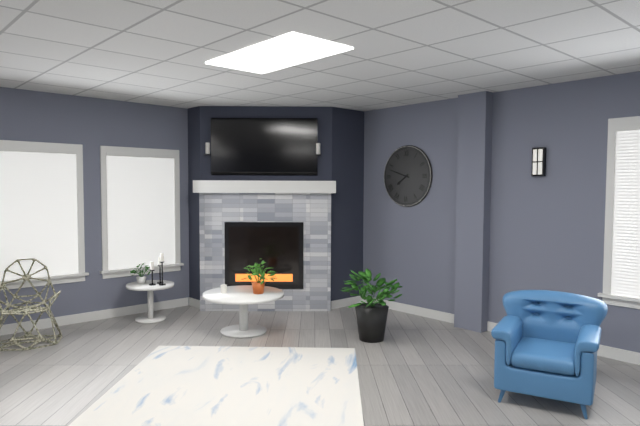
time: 7:48
